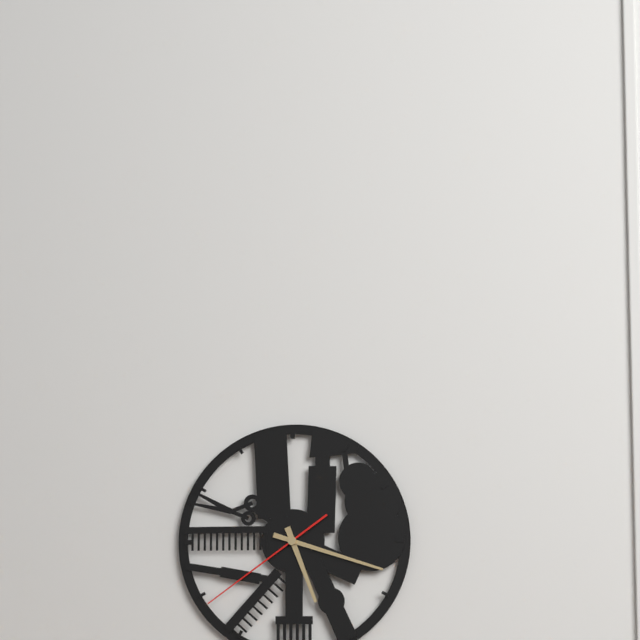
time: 5:18:39
